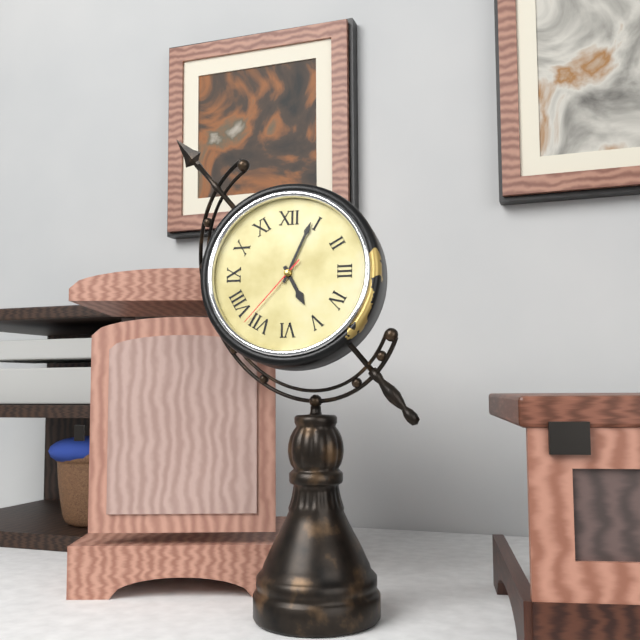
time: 5:04:37
